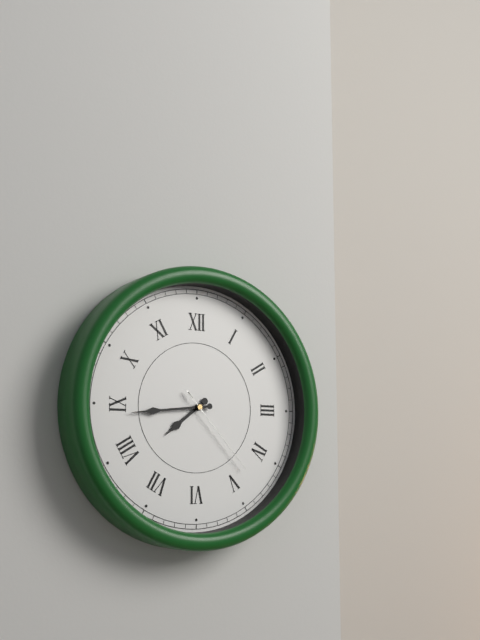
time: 7:44:23
